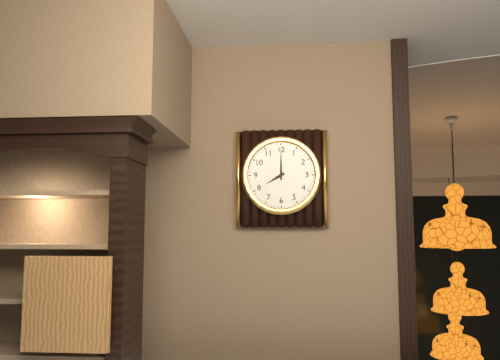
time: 8:00
